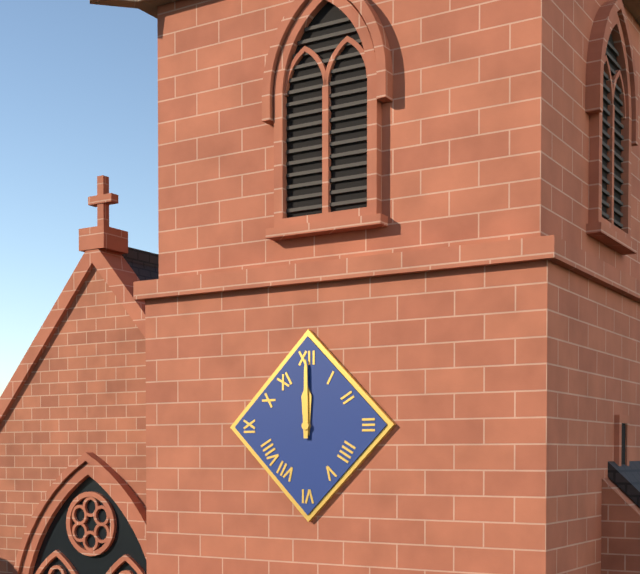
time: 12:00
